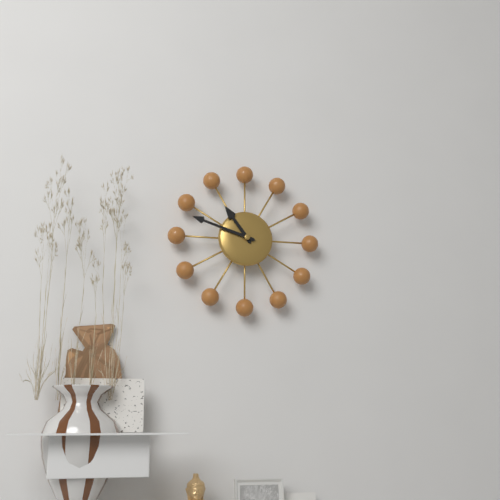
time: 10:48
